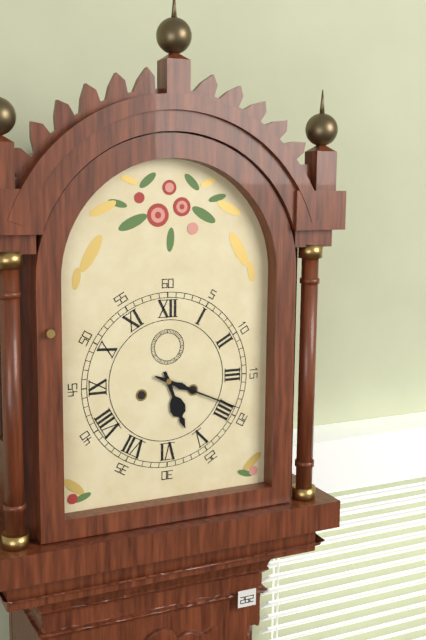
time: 5:19
